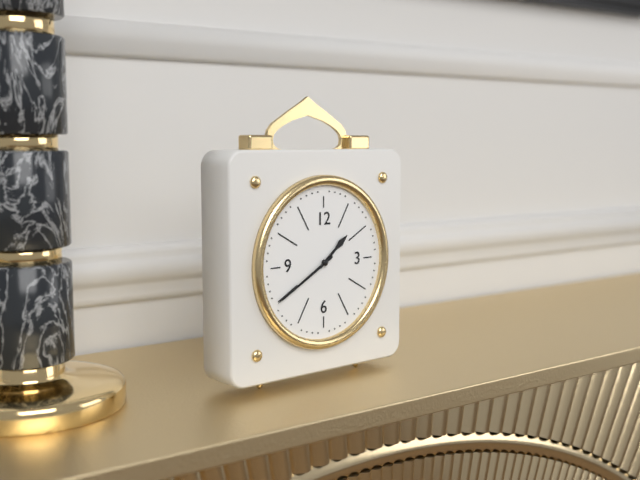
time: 1:40
